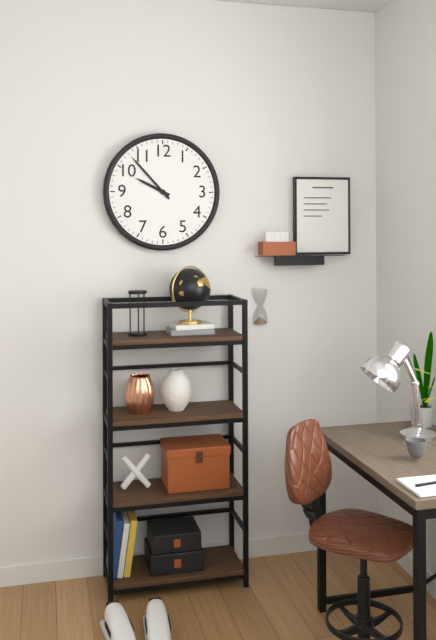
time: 9:53
